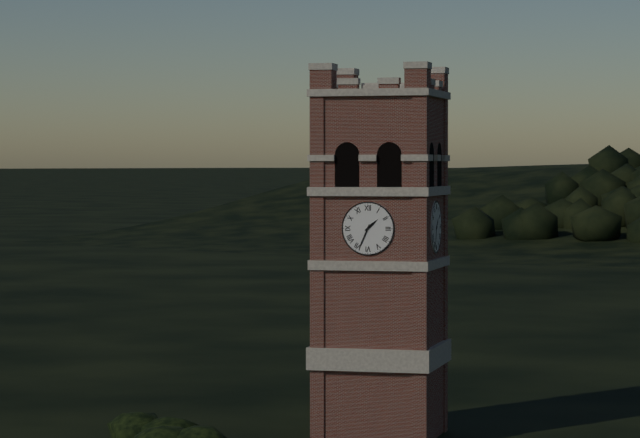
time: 1:34
